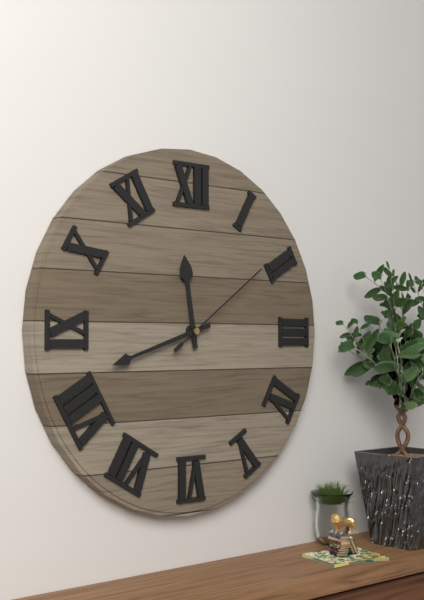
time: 11:42:09
